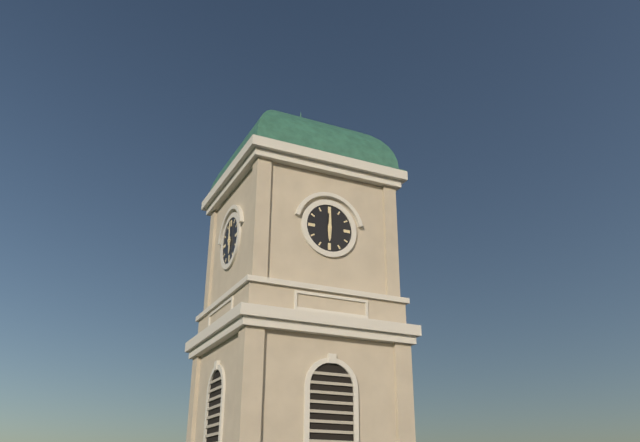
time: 6:00
